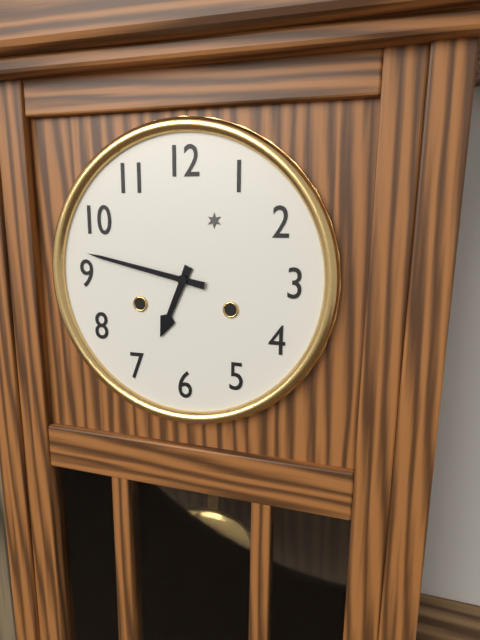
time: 6:47
